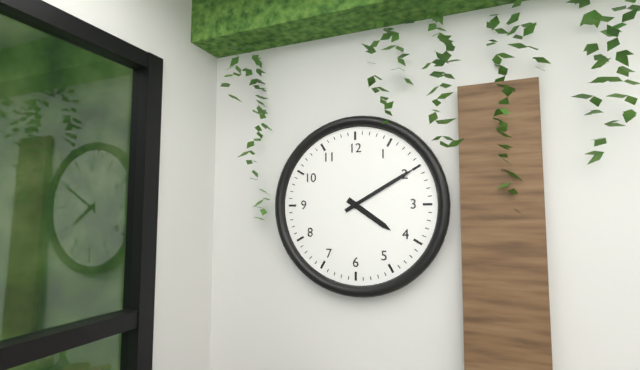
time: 4:10
